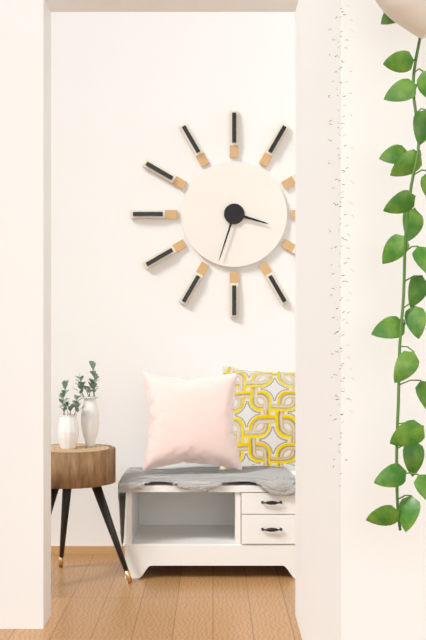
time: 3:33
